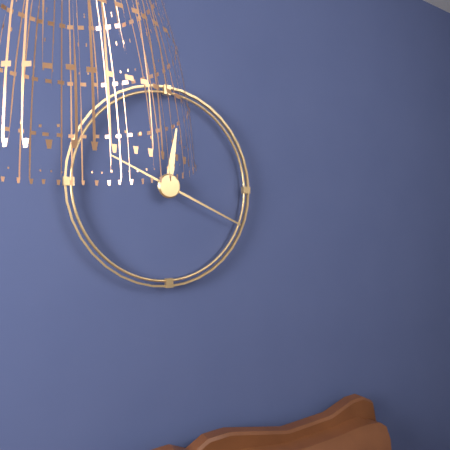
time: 12:19
